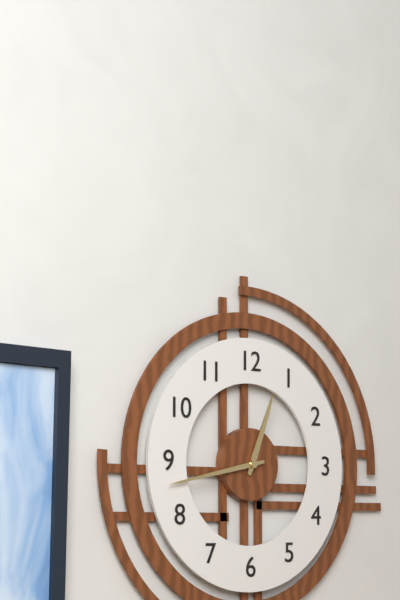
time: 12:43
